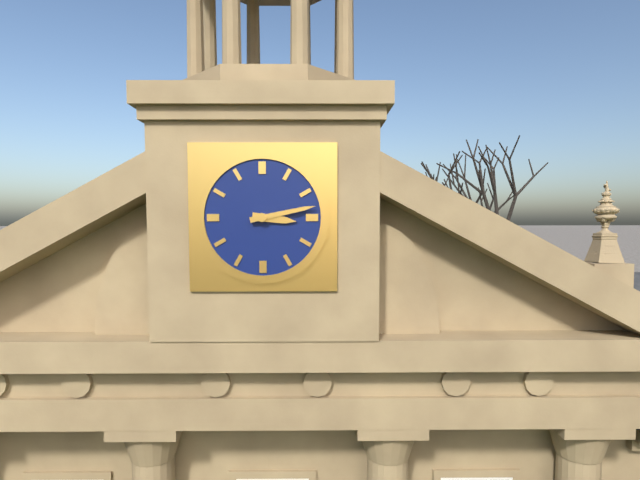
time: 3:13
